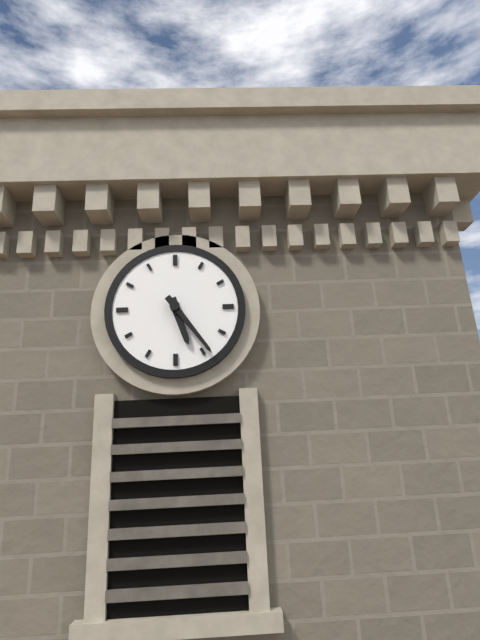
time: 5:24
